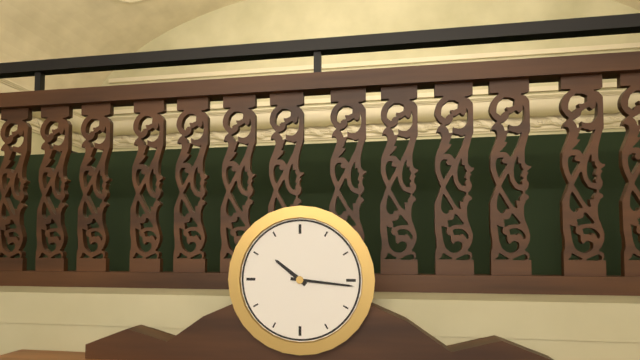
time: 10:16
